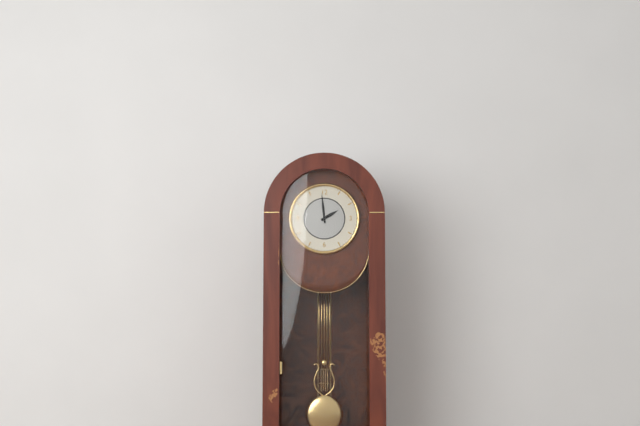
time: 1:59
